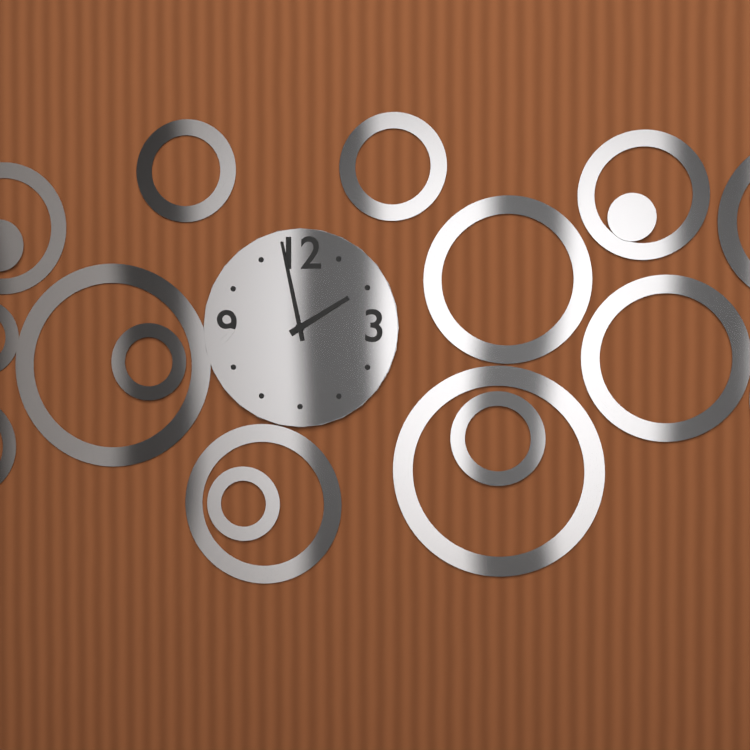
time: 1:58
